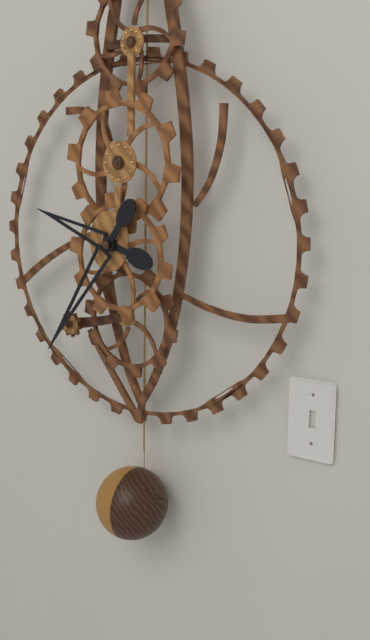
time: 9:36
